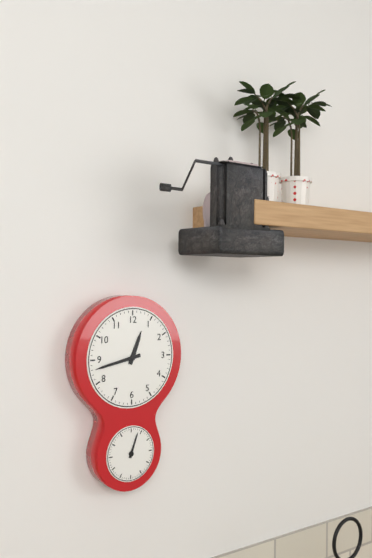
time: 12:43
